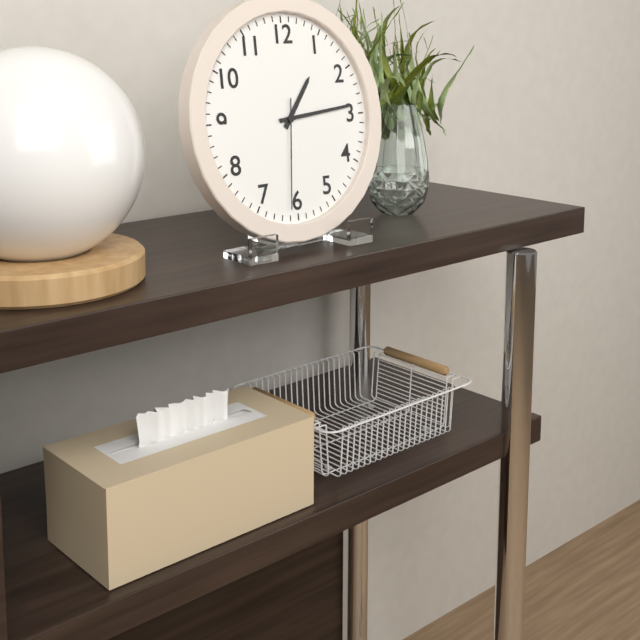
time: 1:14:31
